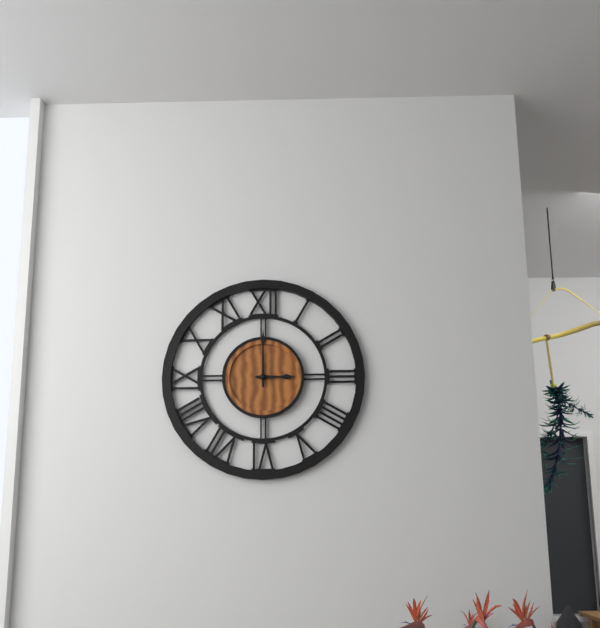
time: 3:00
